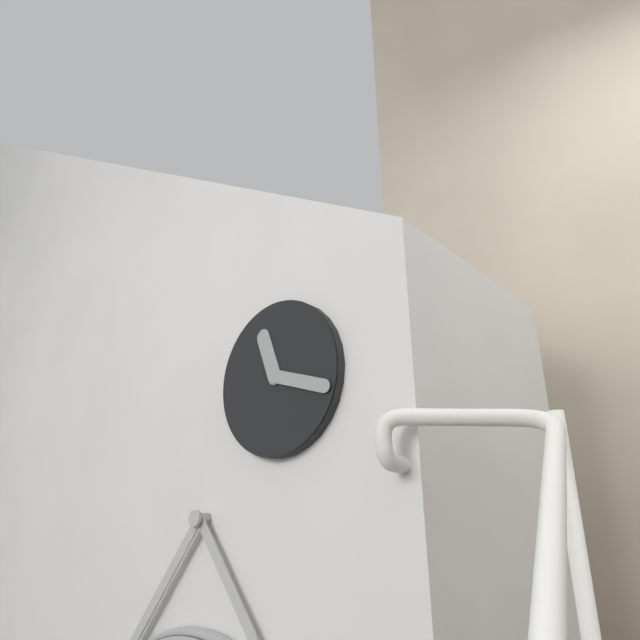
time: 11:18
